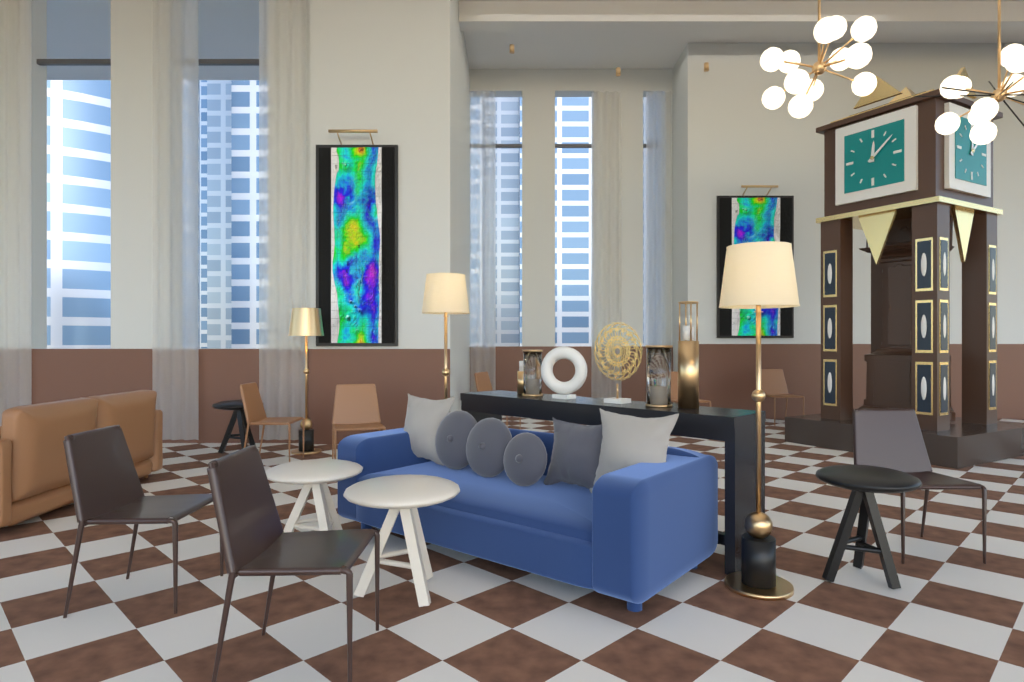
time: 12:08
